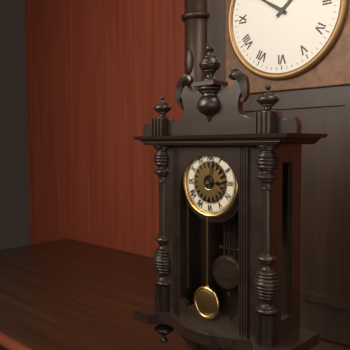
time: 3:03
